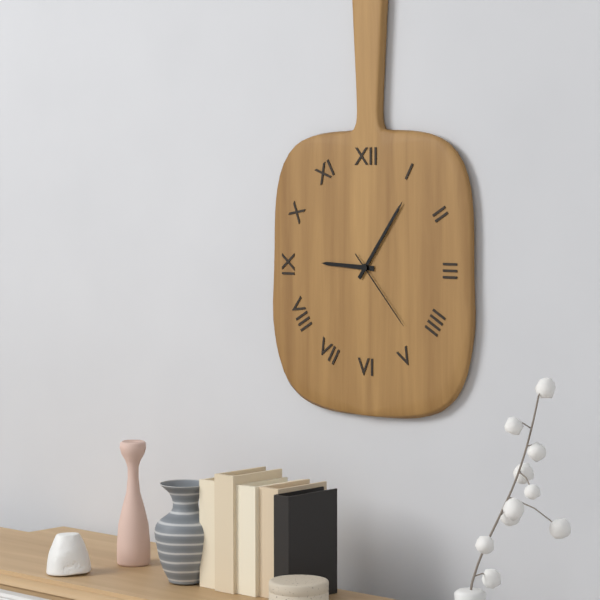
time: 9:06:23
